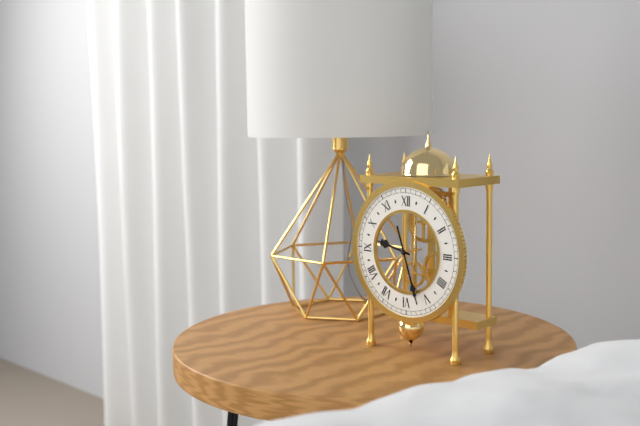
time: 9:27
